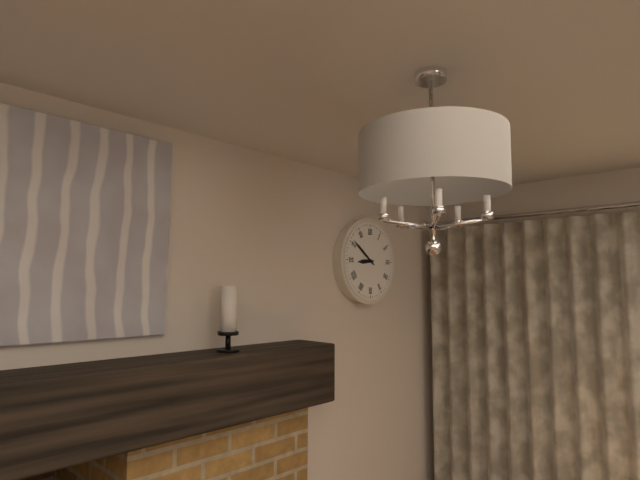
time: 8:51
